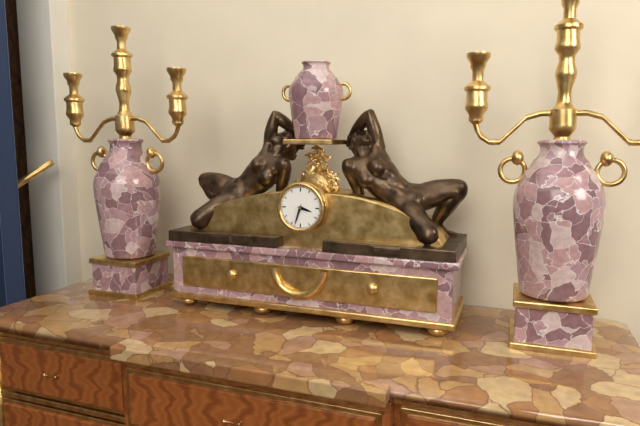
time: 3:33
